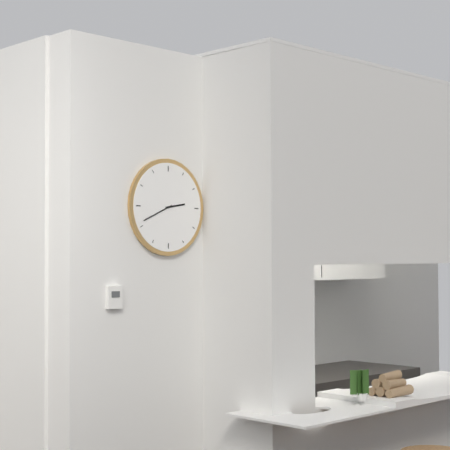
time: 2:41
